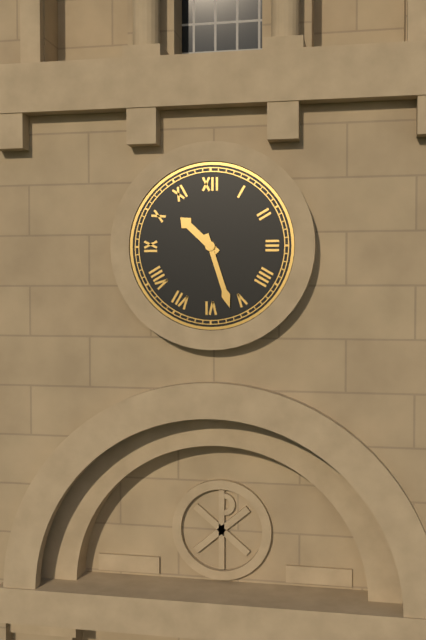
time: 10:27
